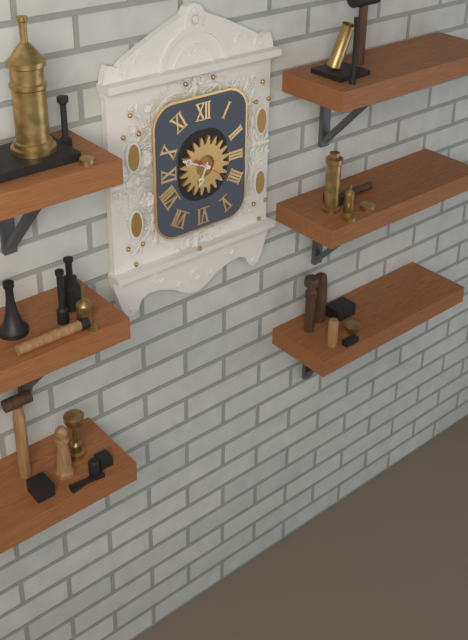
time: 6:49
